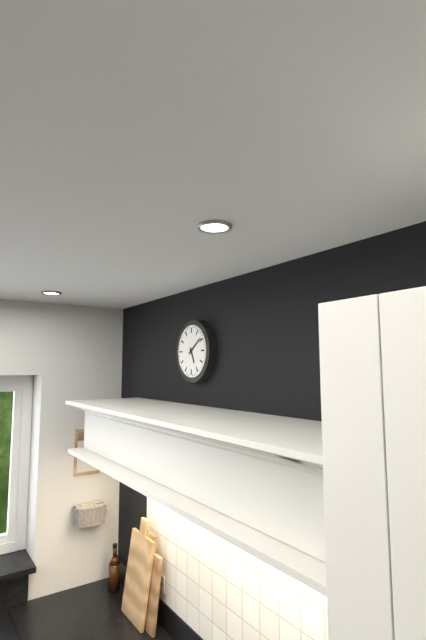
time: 5:09
